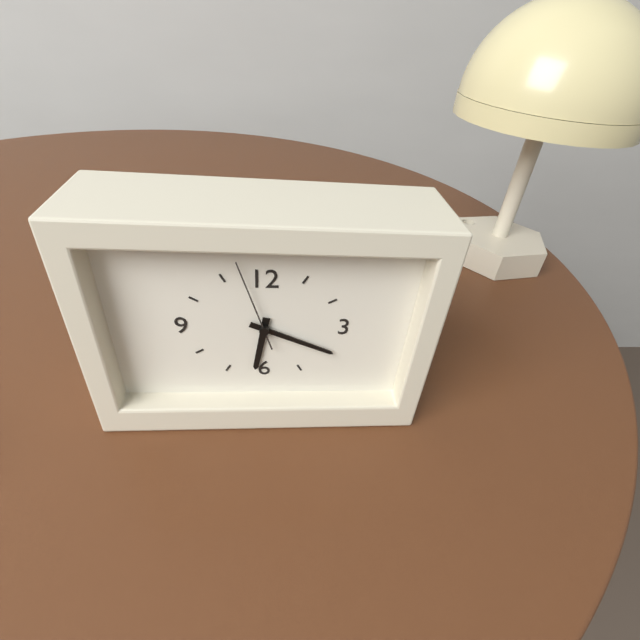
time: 6:19:57
